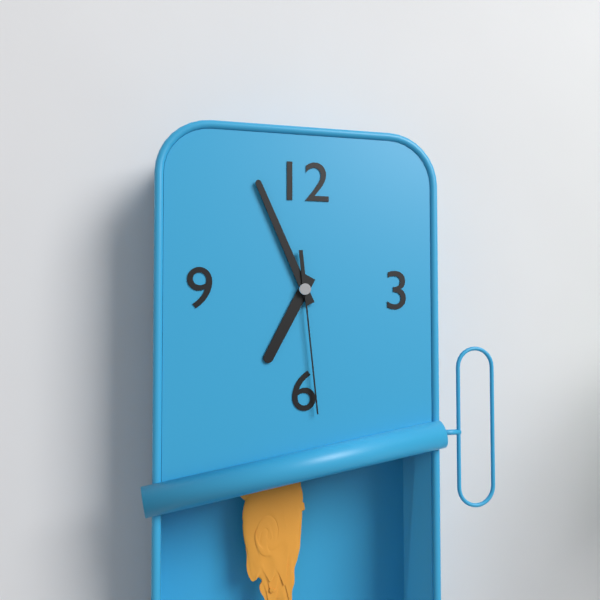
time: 6:56:29
